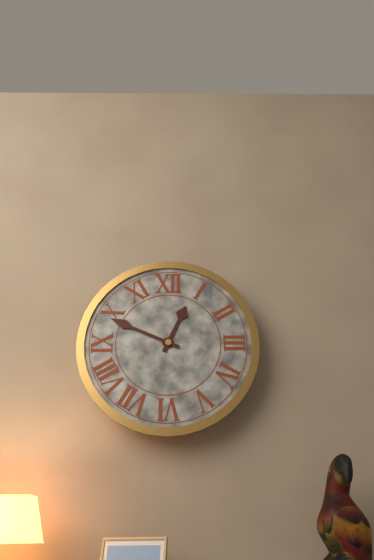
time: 12:49
